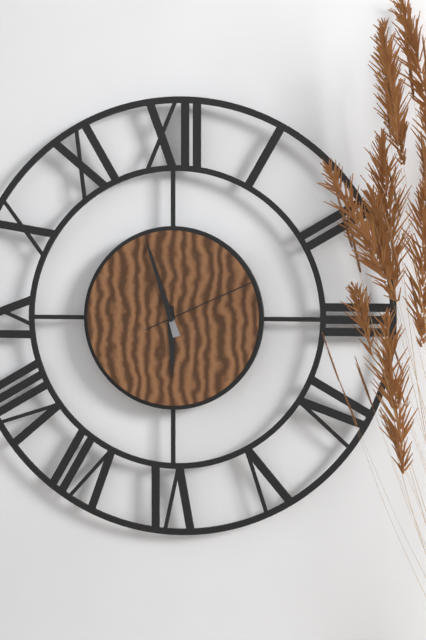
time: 5:57:11
